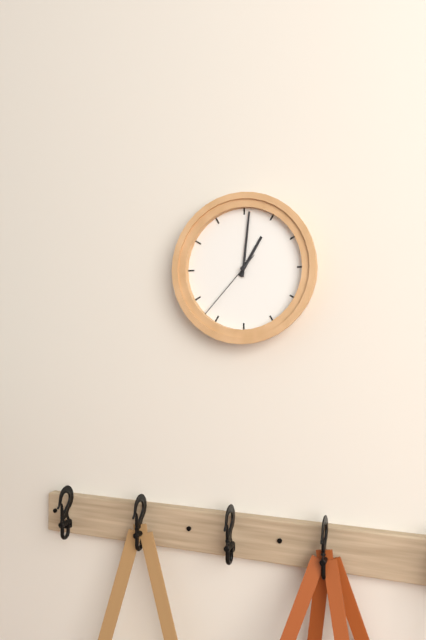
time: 1:01:37
